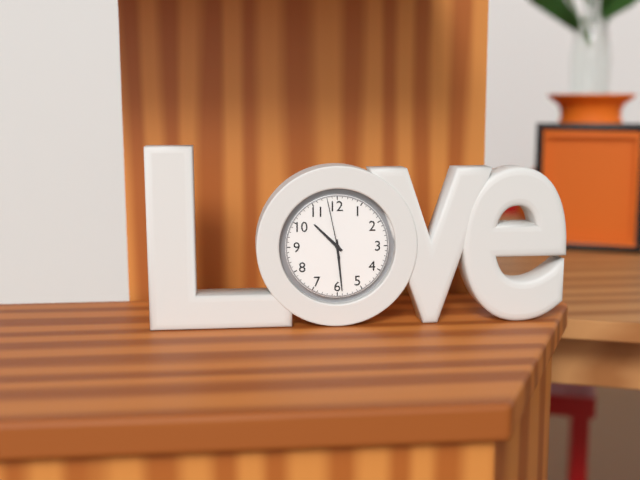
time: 10:29:58
